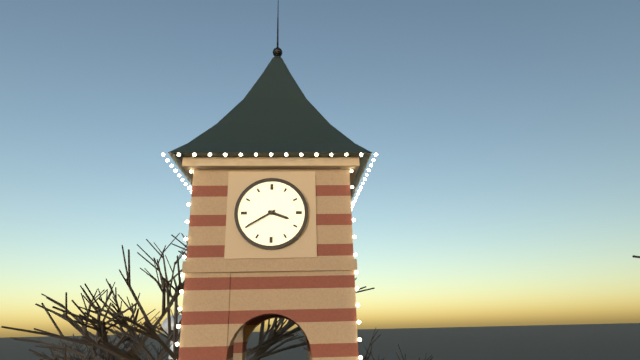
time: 3:40
